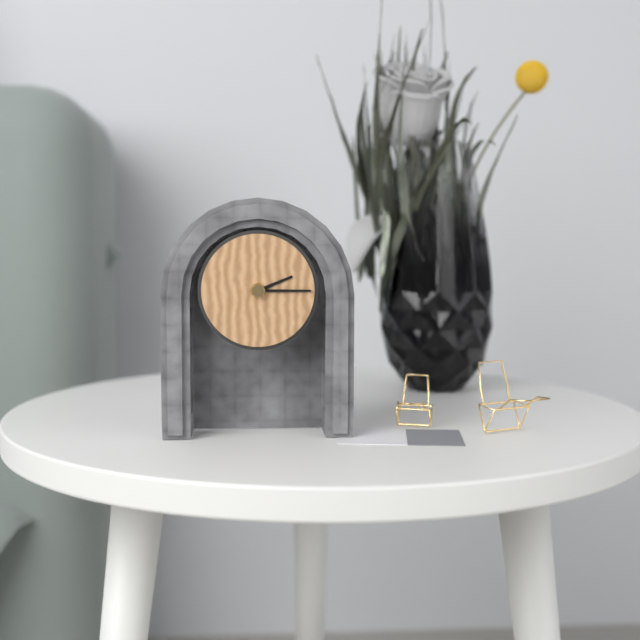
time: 2:15
